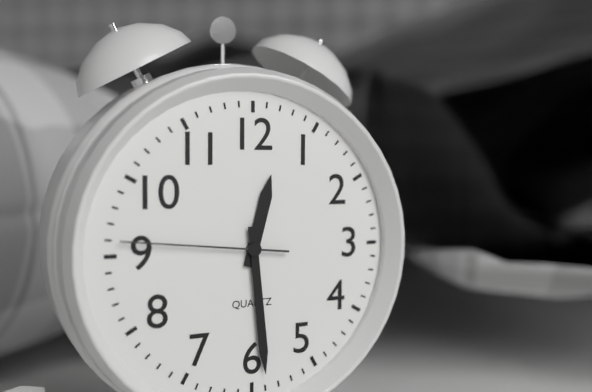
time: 12:29:46
